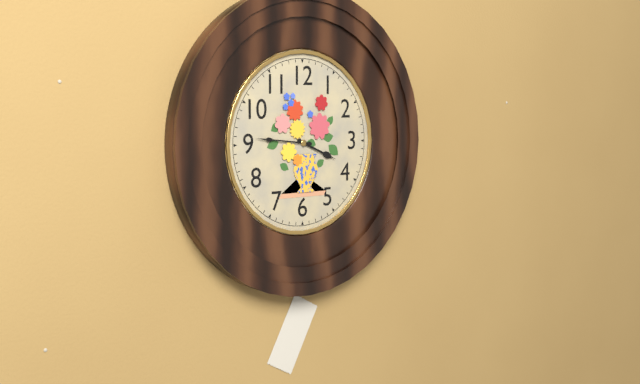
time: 3:46
